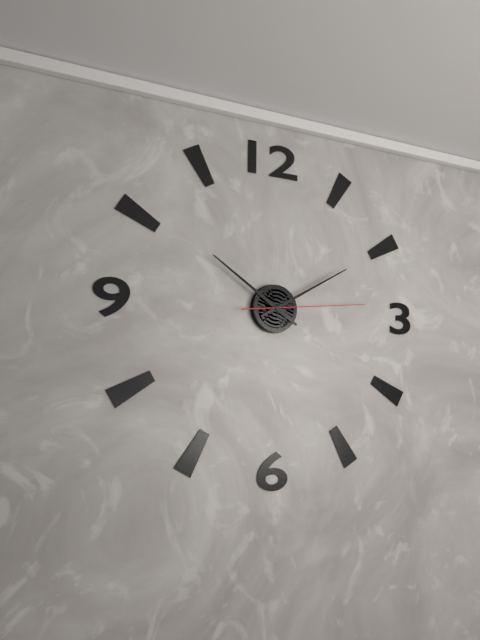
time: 10:10:14
